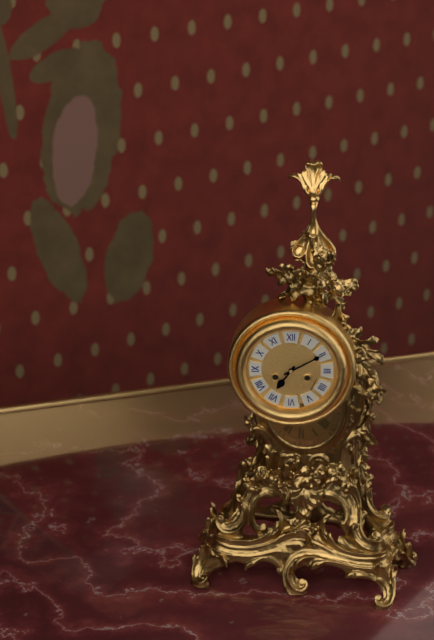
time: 7:10
